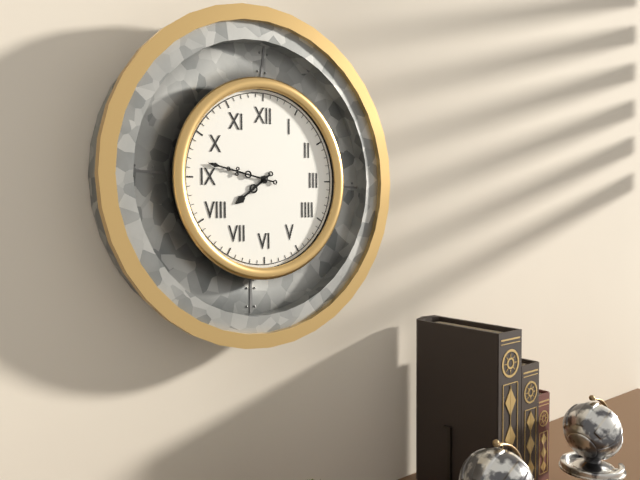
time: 7:47
